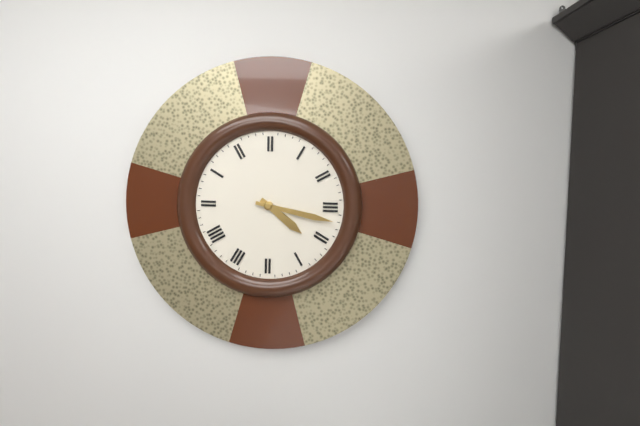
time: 4:17
